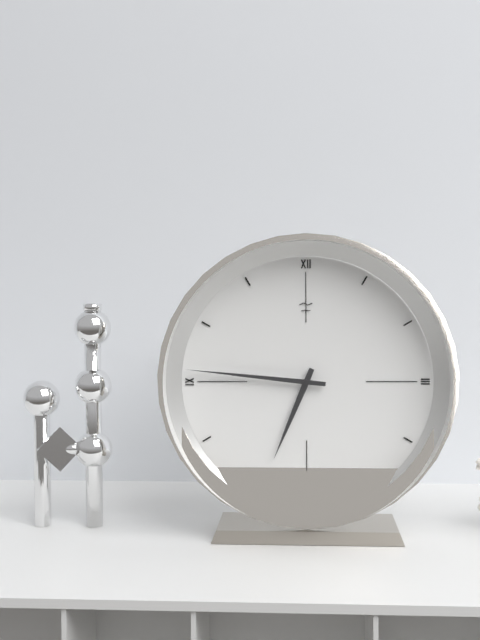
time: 6:46
